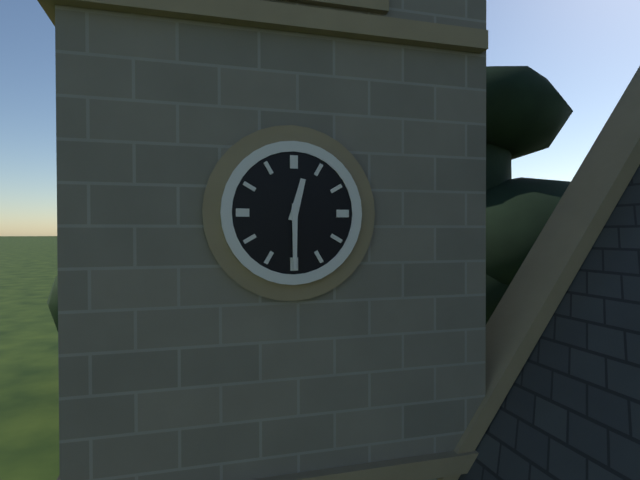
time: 12:30
